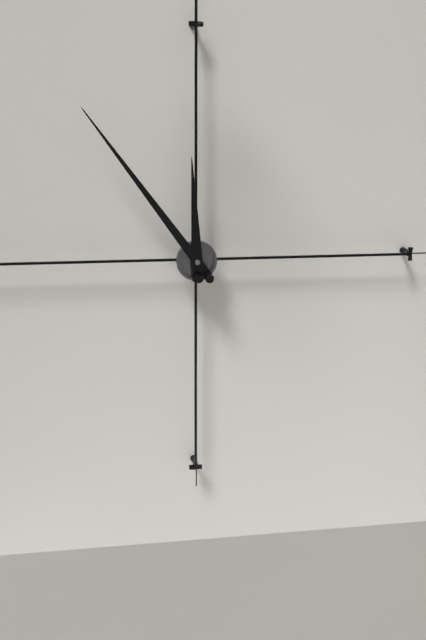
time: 11:54
